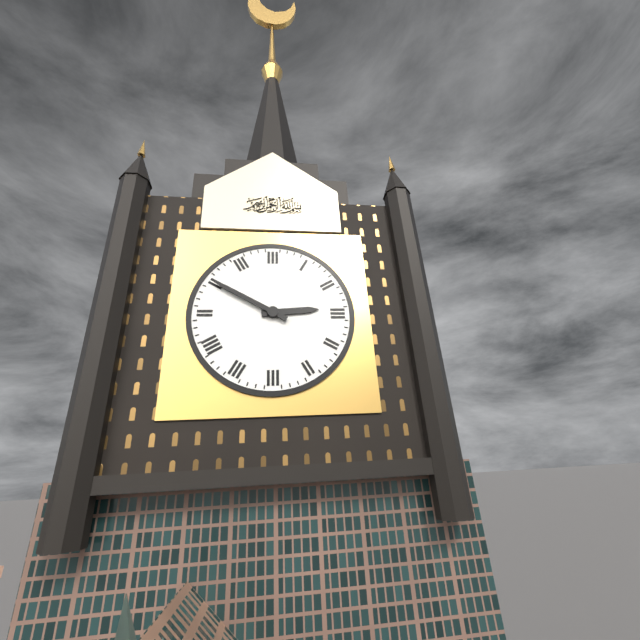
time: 2:50
